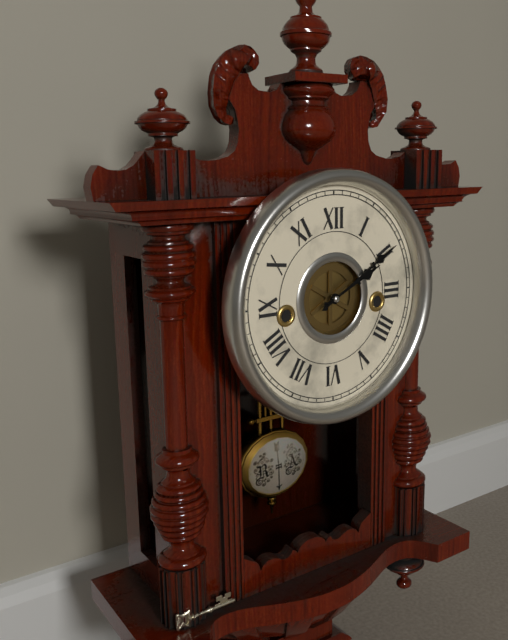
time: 2:10
